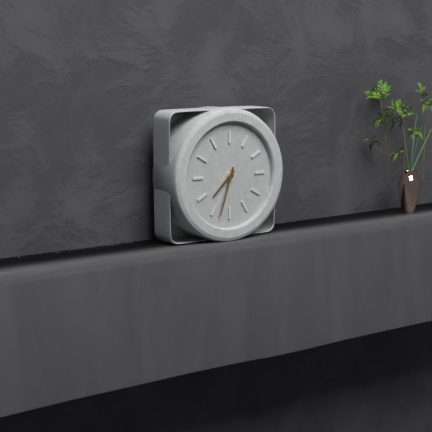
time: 7:33
